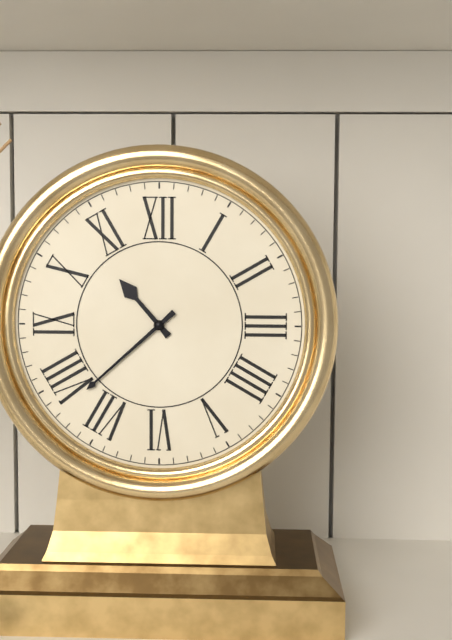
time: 10:38
